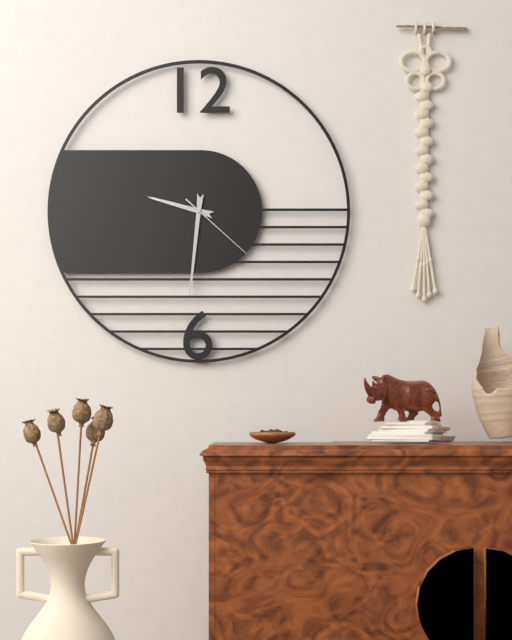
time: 9:31:22
